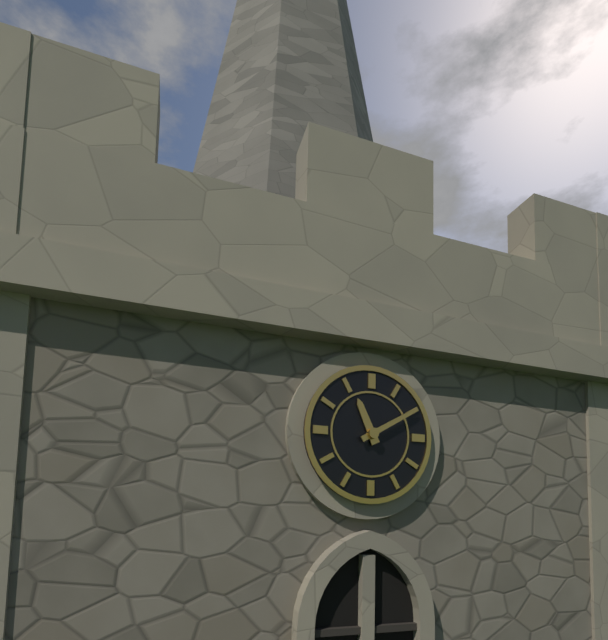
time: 11:10
